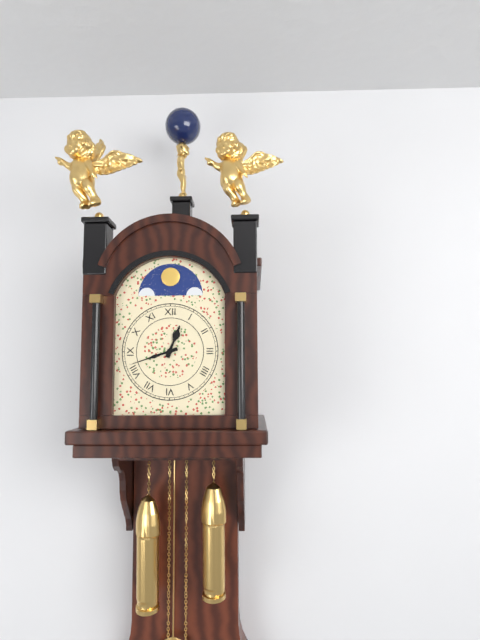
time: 12:42
